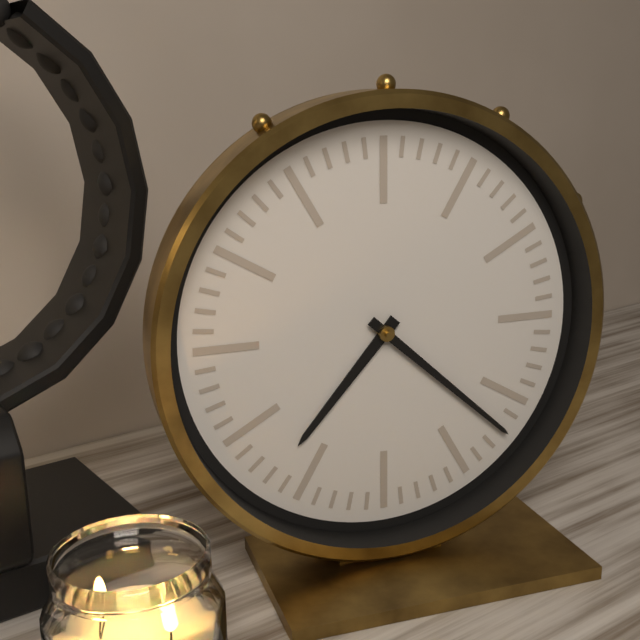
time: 7:22
